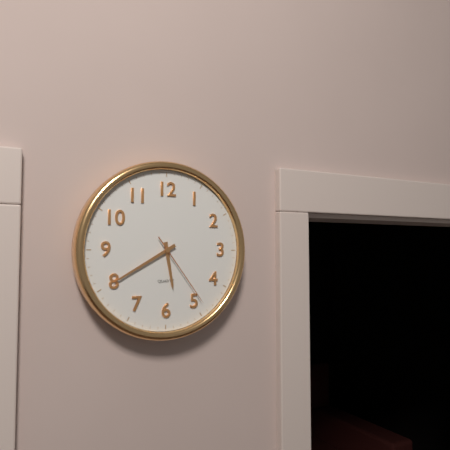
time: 5:40:24
